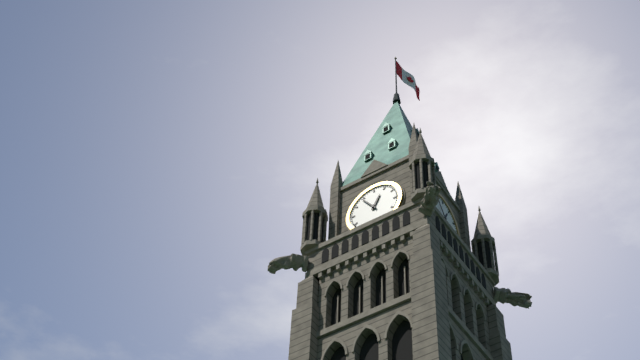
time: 12:54
